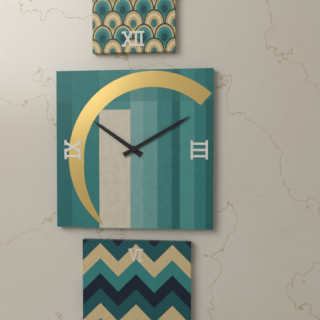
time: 10:10
